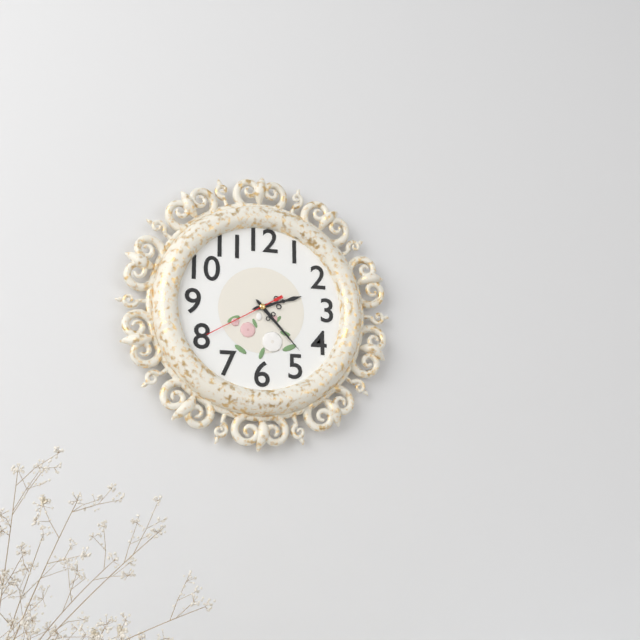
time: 2:23:40
